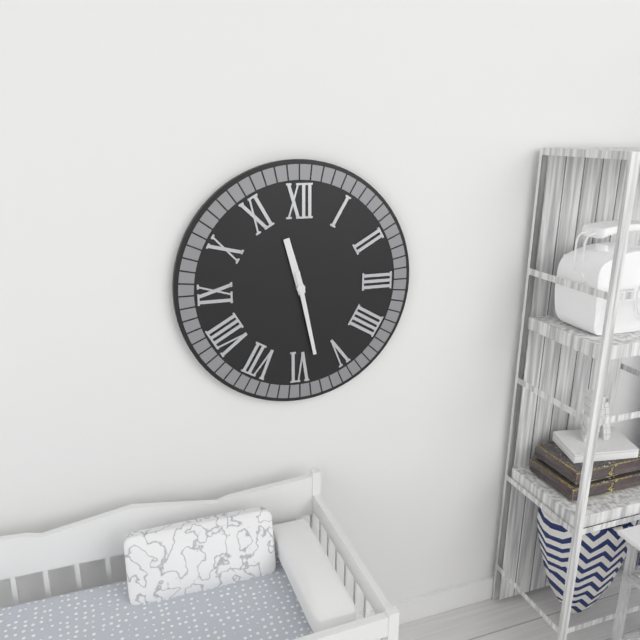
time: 11:28
